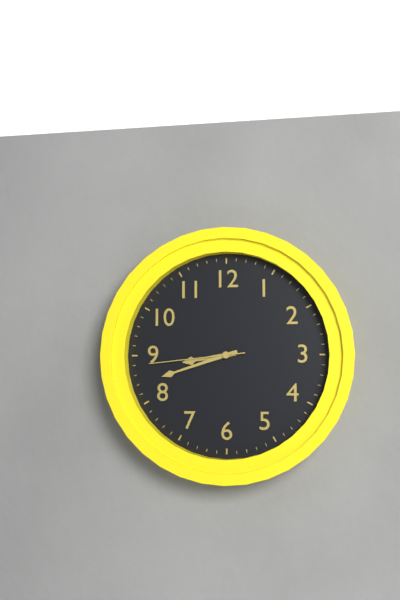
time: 8:42:44
